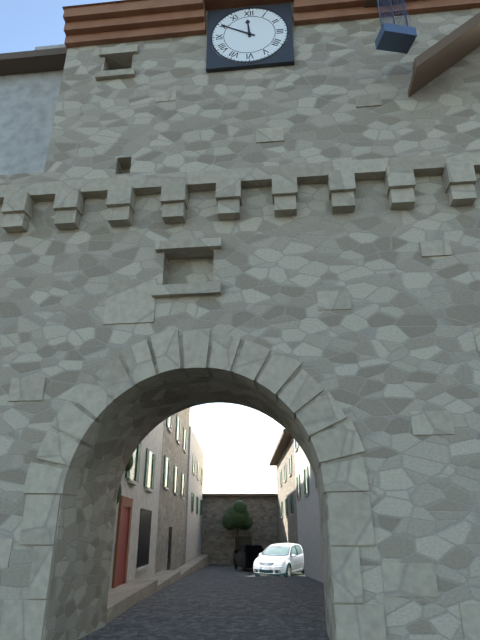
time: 11:50
